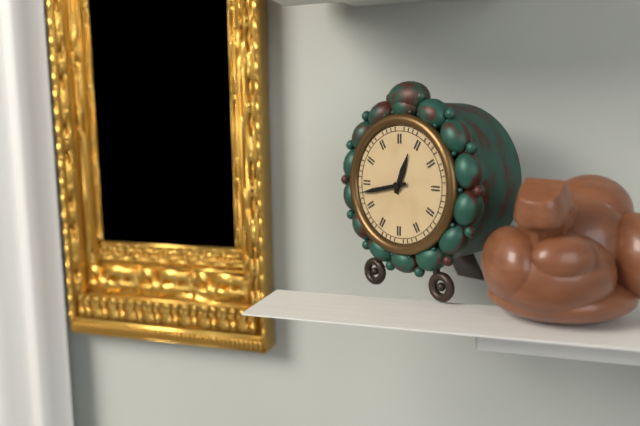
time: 12:43
